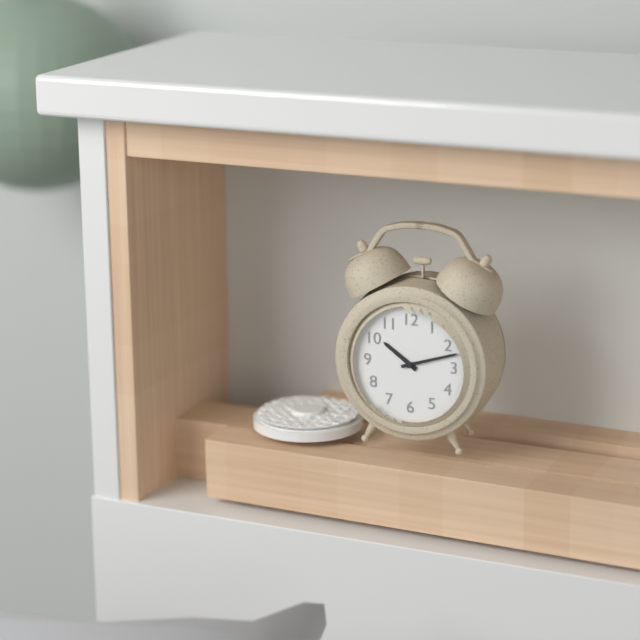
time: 10:12
